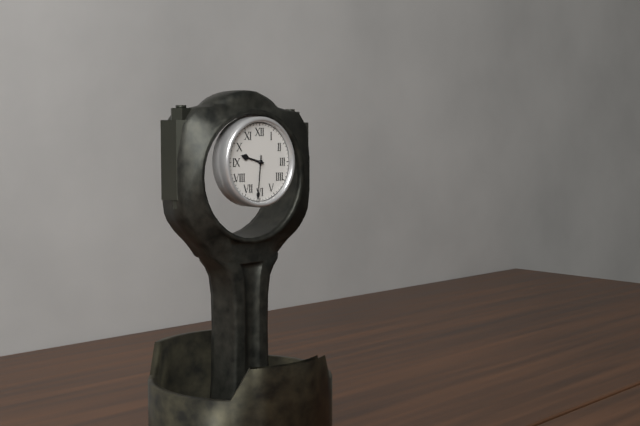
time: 9:31
